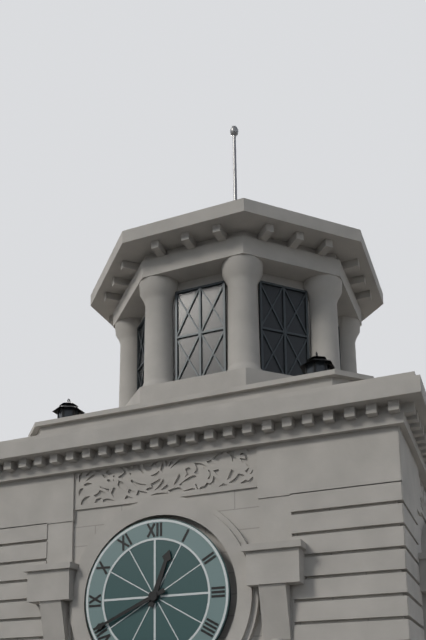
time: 12:41
